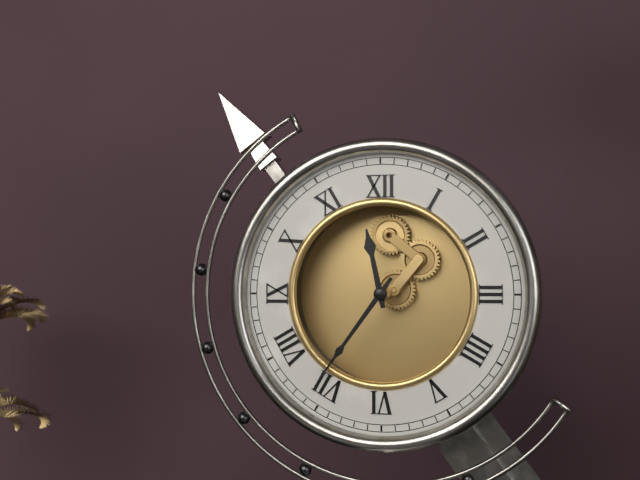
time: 11:36
